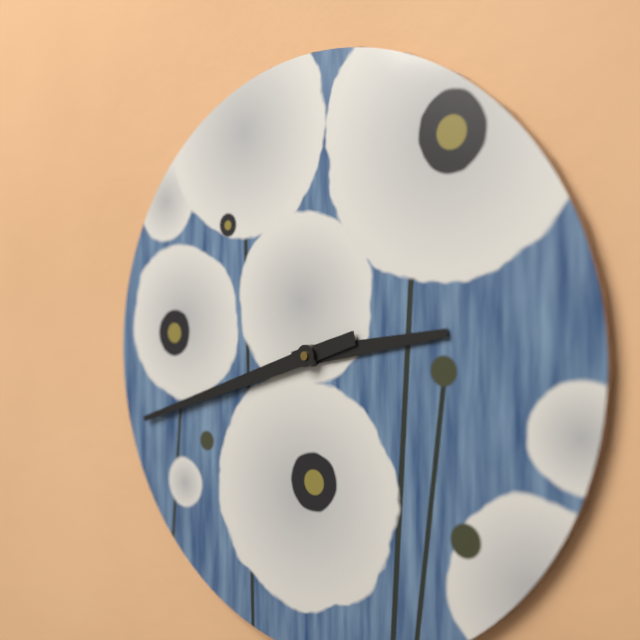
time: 2:42
